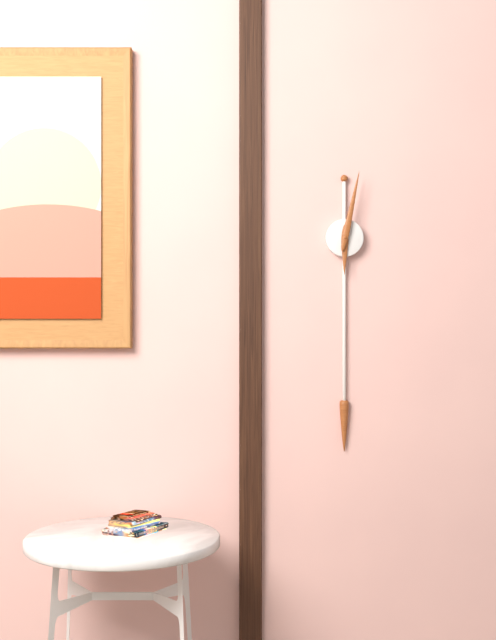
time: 6:02
